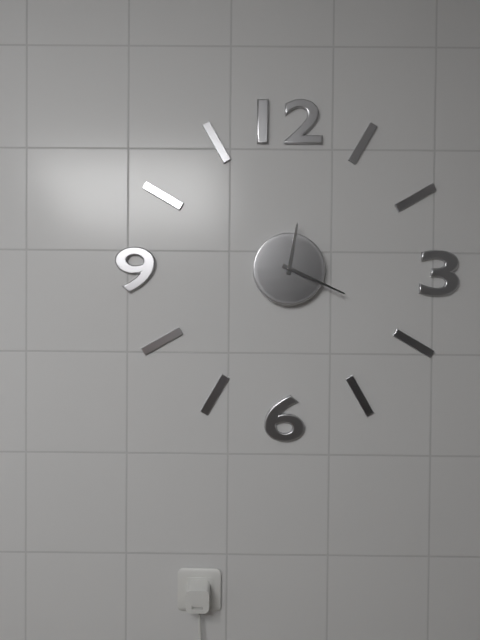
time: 12:19
